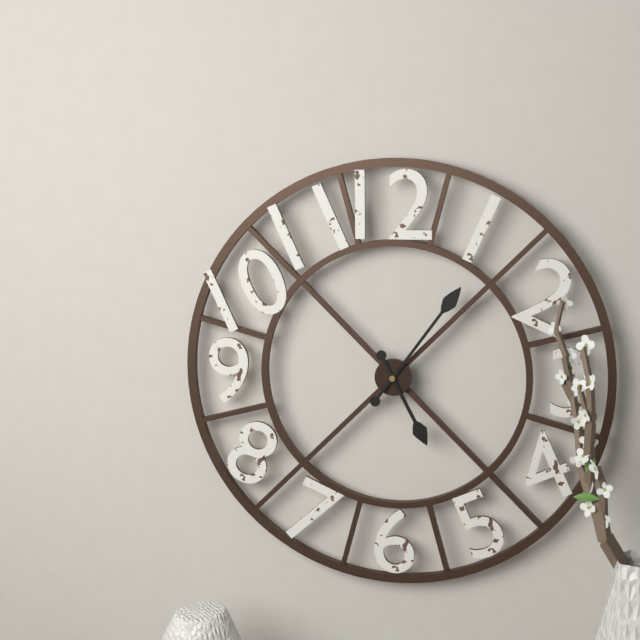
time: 5:06
